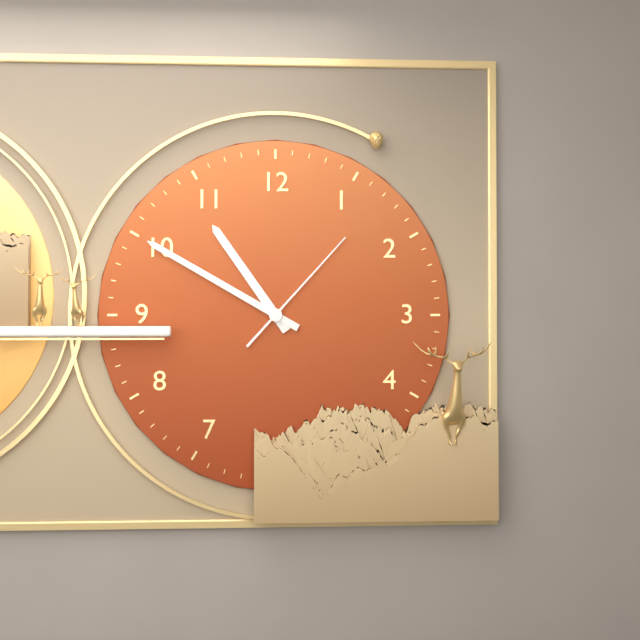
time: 10:50:07
